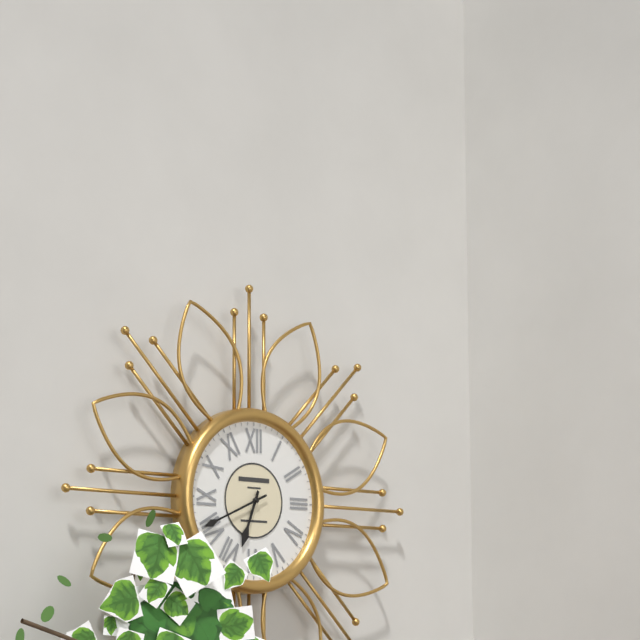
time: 6:41
